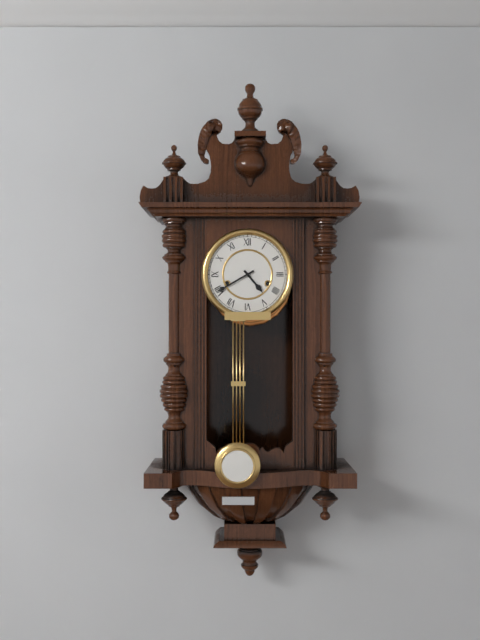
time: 4:40
